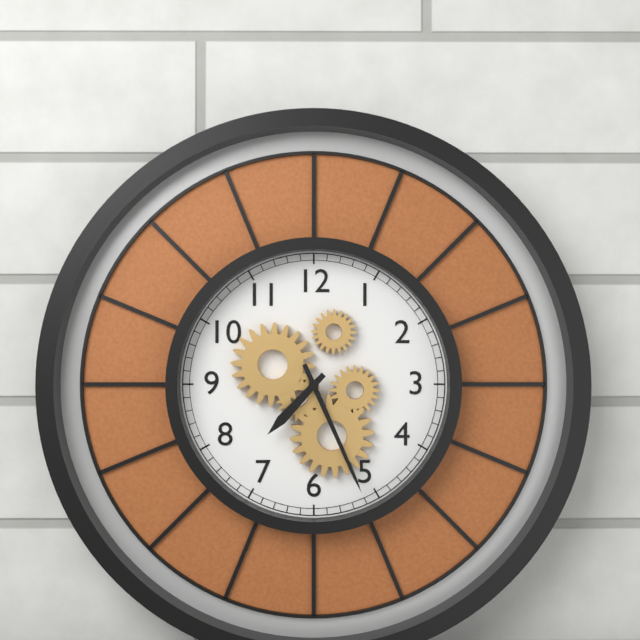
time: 7:26
